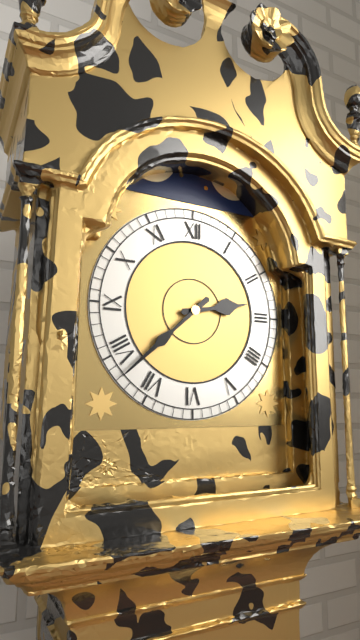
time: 2:38
